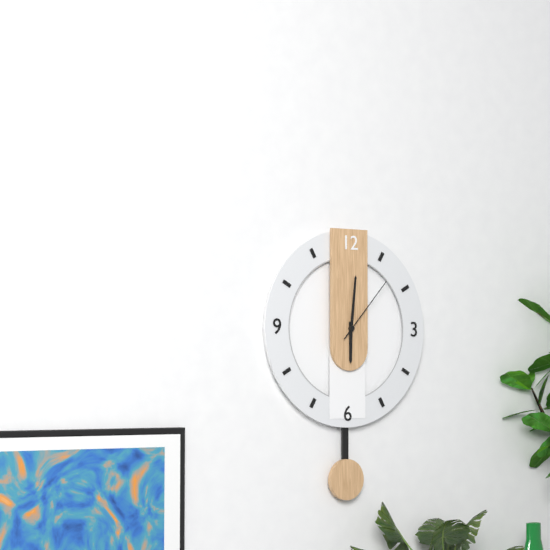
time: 6:01:07
